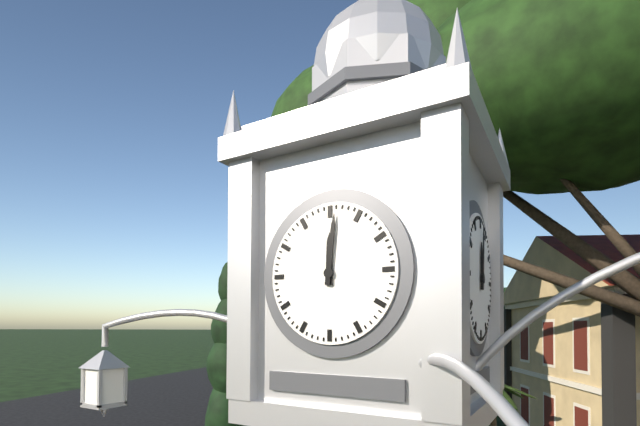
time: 12:01
